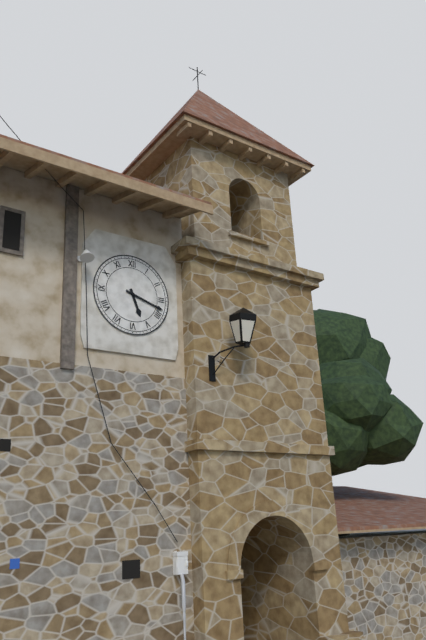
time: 5:18
